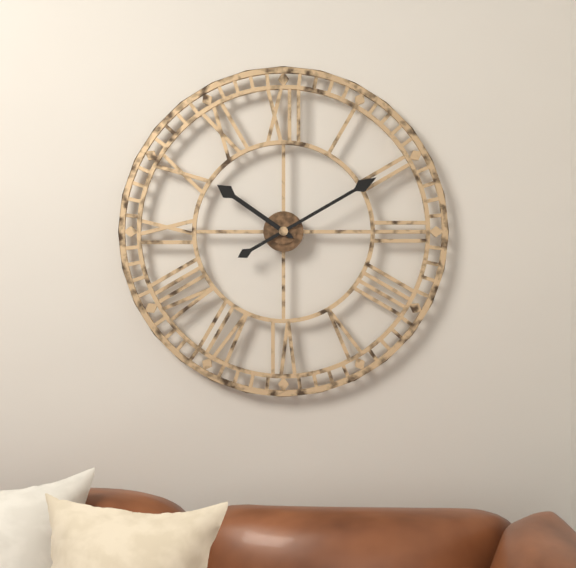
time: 10:10
